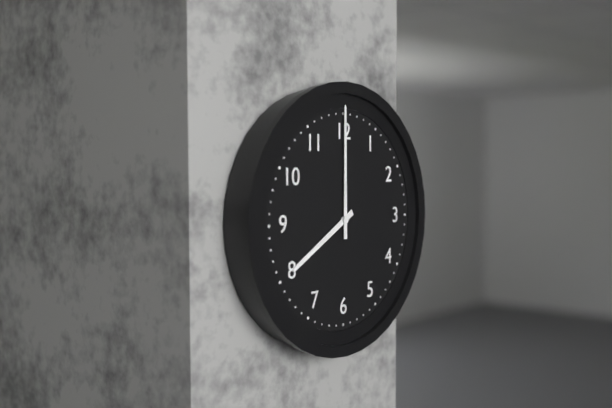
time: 8:00
